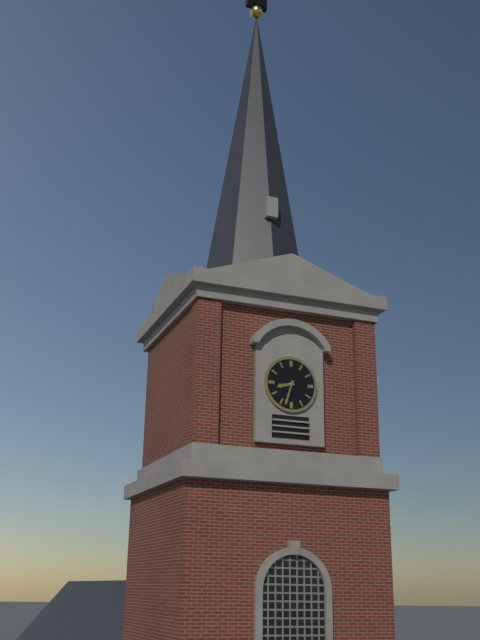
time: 8:33
